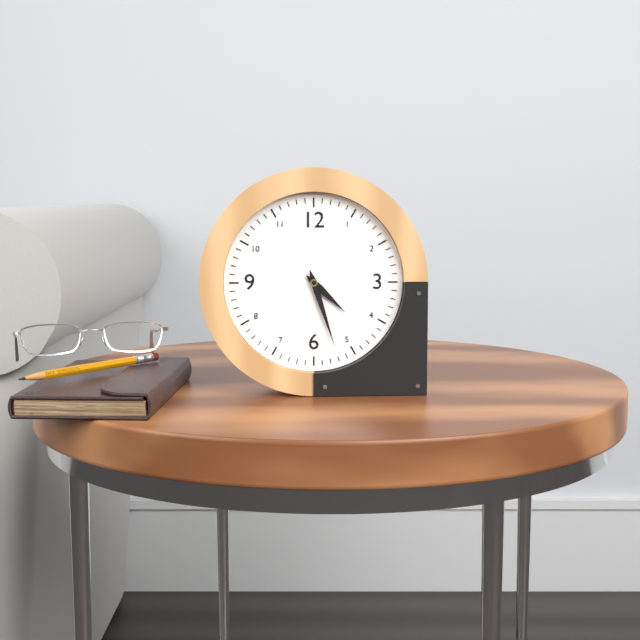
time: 4:27
